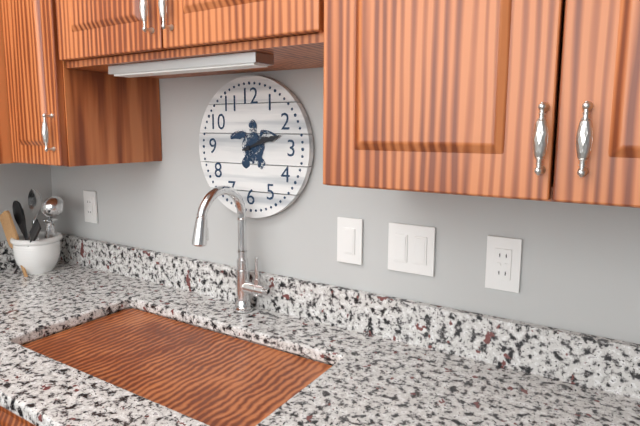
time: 2:12
